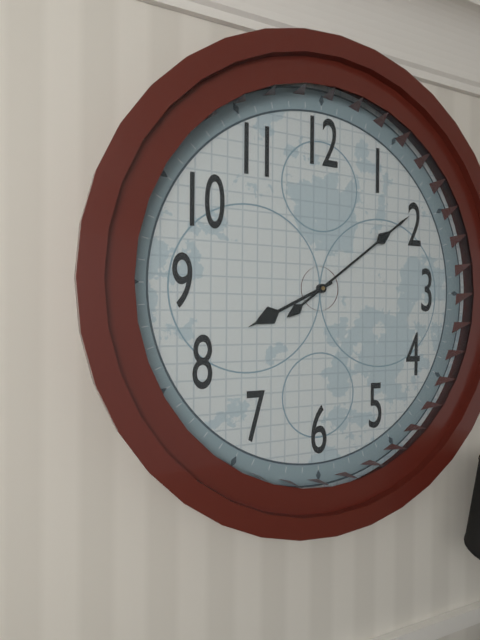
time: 8:09
